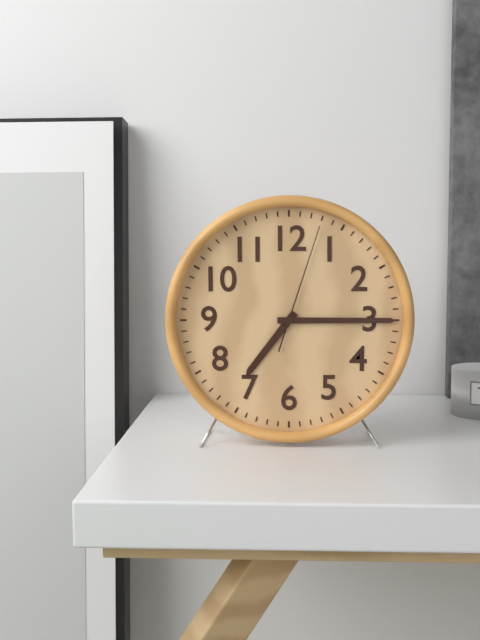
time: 7:15:03
